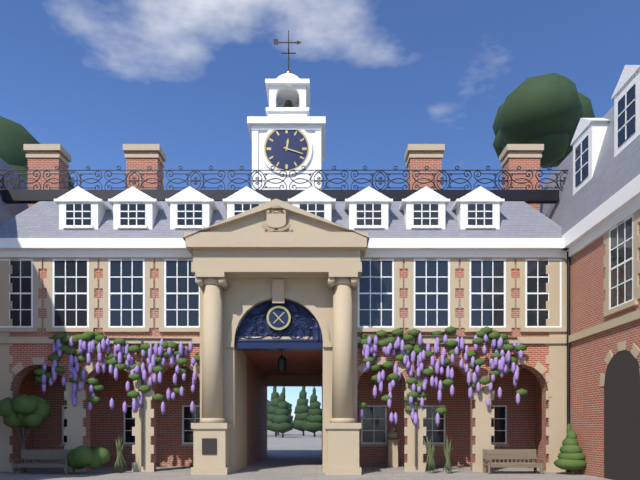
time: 12:18
